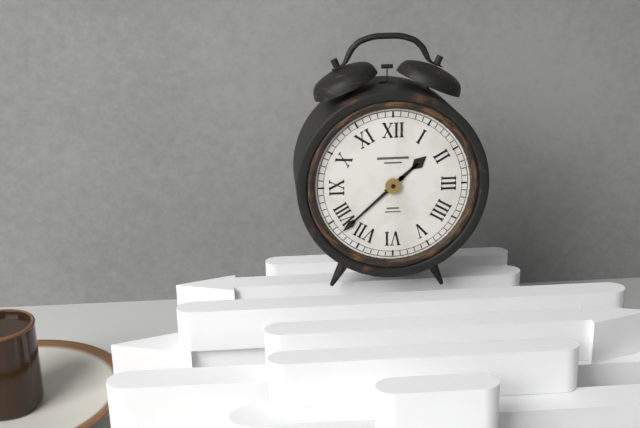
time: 1:38
